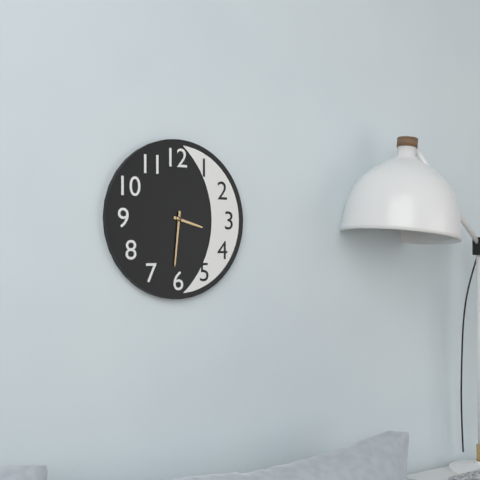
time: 3:31
